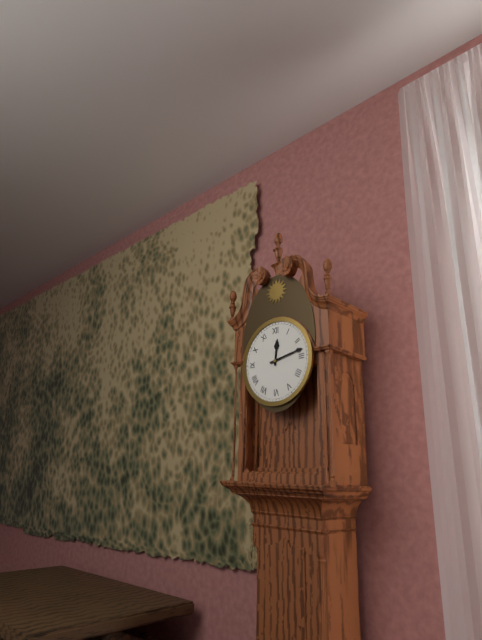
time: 12:13
